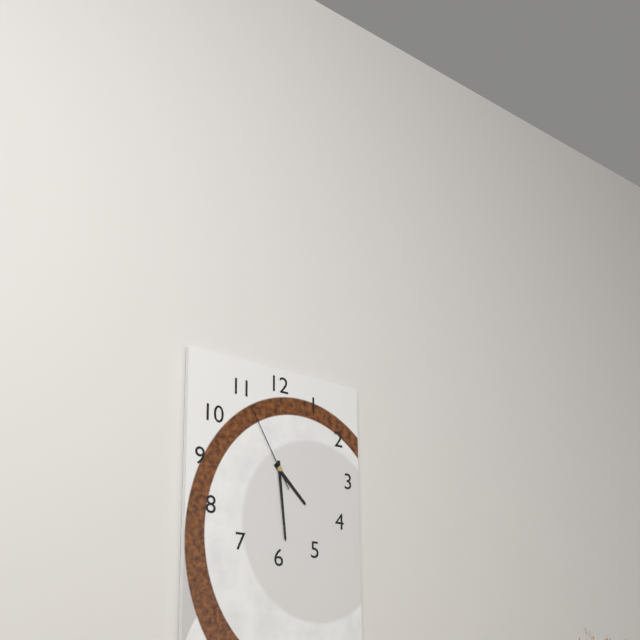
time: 4:29:55
